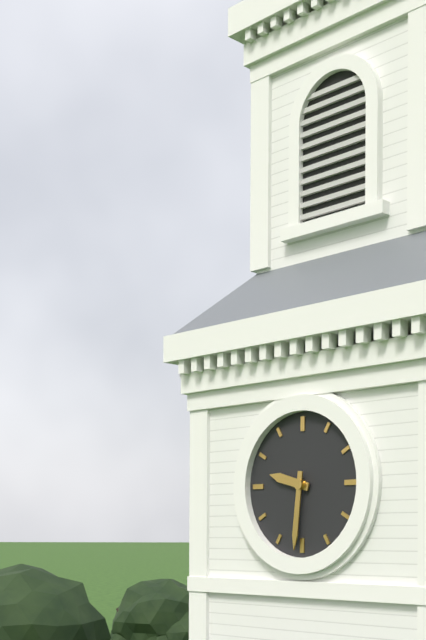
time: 9:31
